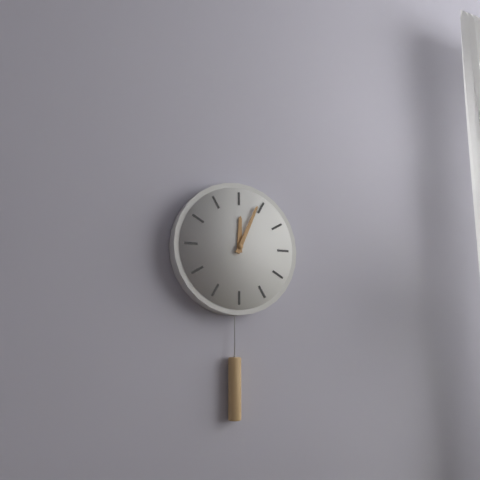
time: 12:04
